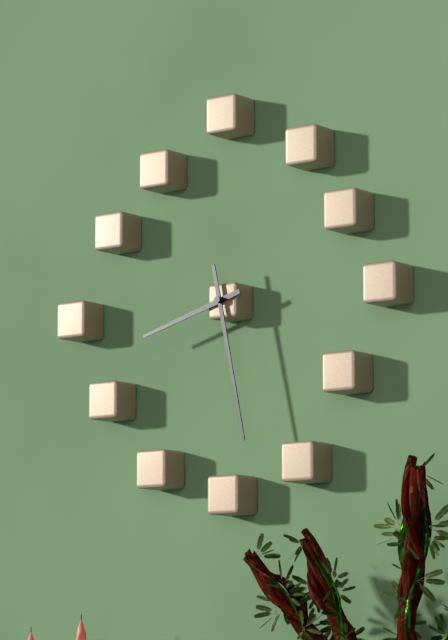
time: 8:28
